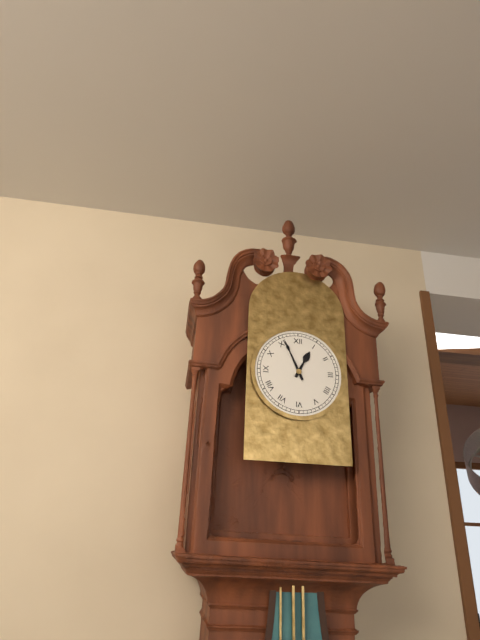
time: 12:56
